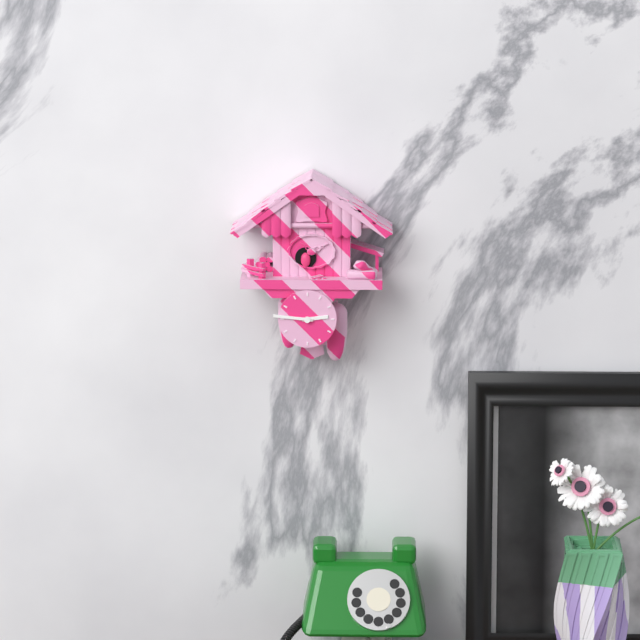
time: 2:46
